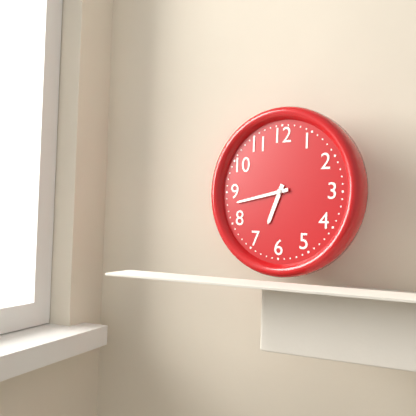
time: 6:43
